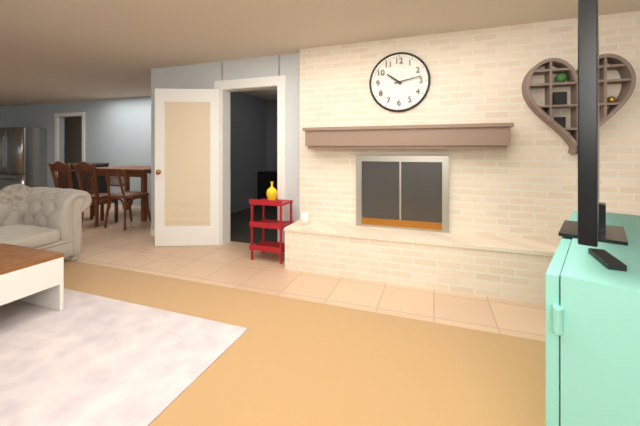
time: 10:13
